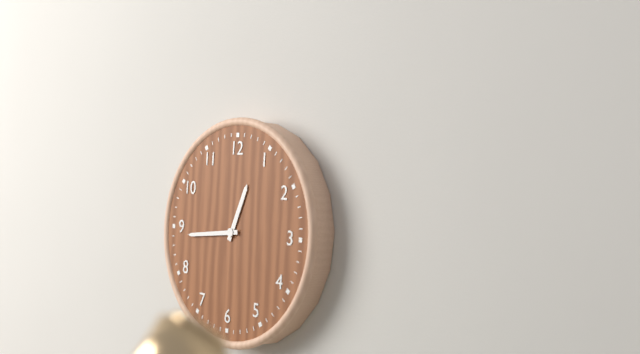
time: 12:44
